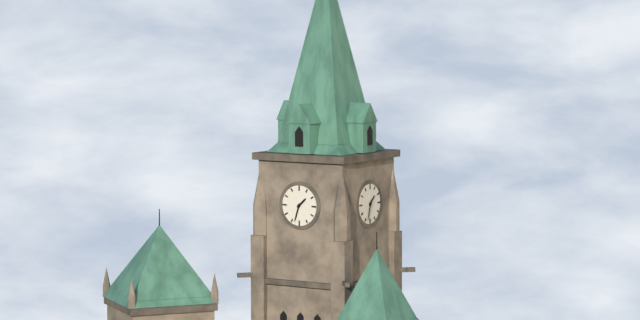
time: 1:33
